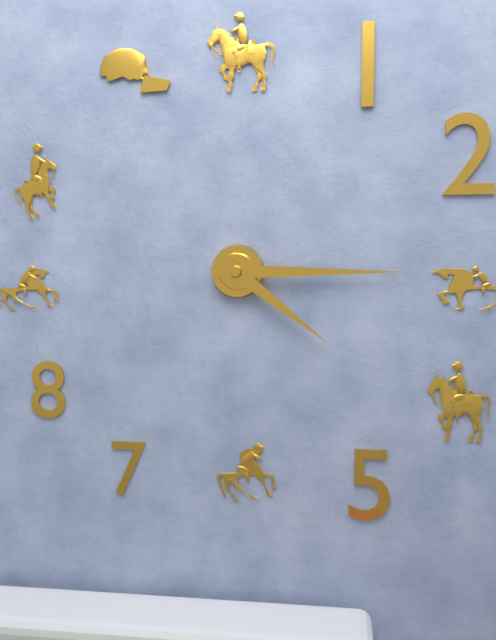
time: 4:15
